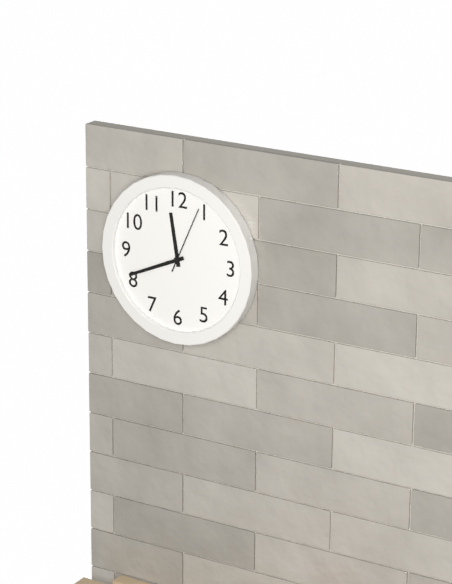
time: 11:41:04
